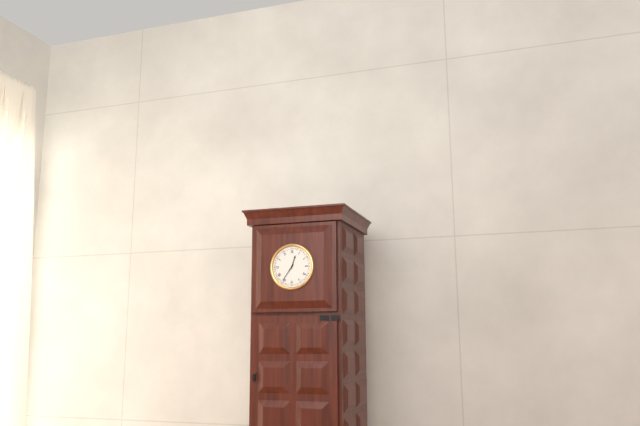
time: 12:36
